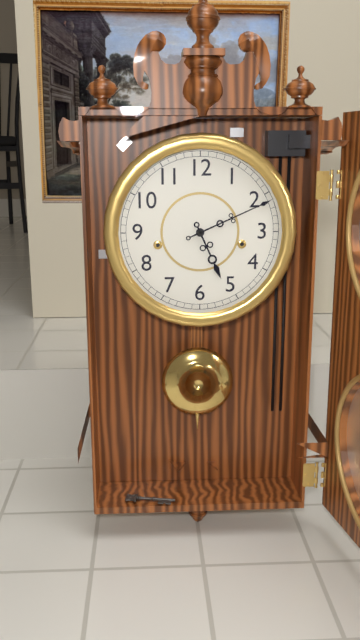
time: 5:11
